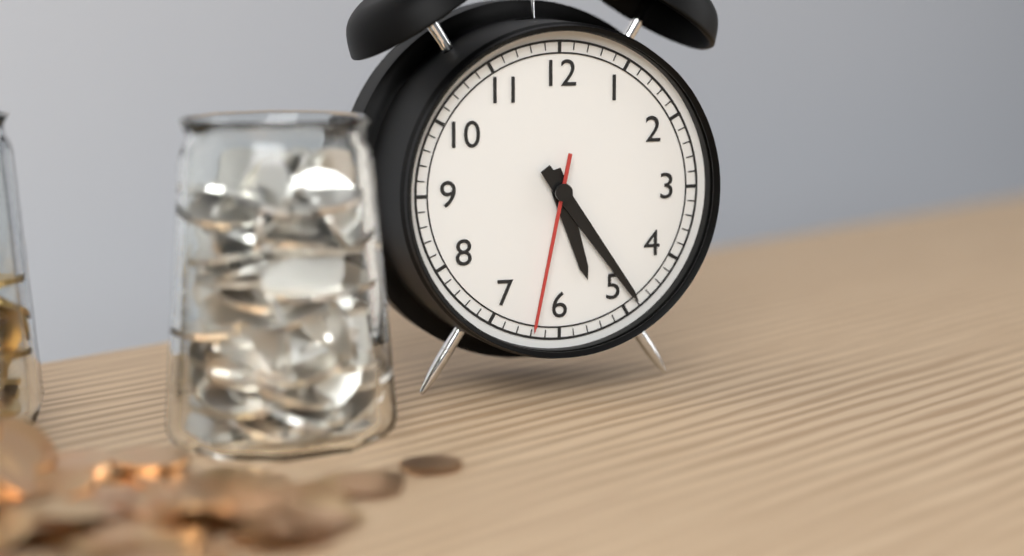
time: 5:24:32
